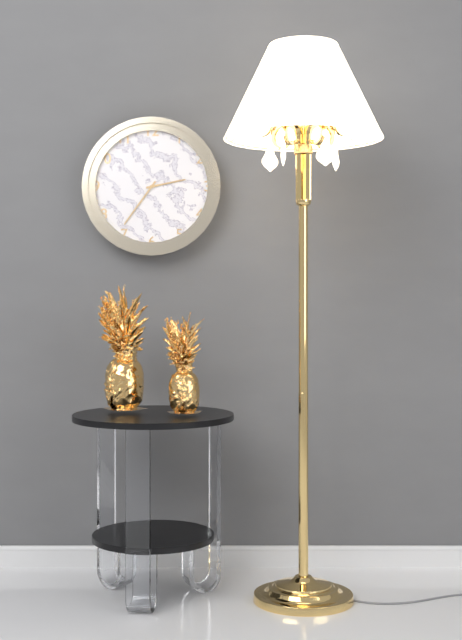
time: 2:36
